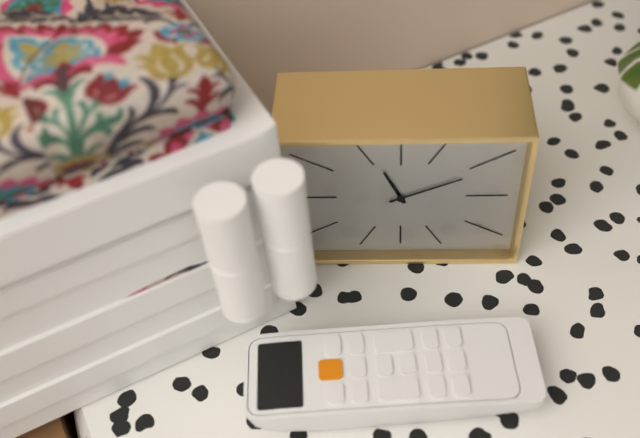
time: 11:11
